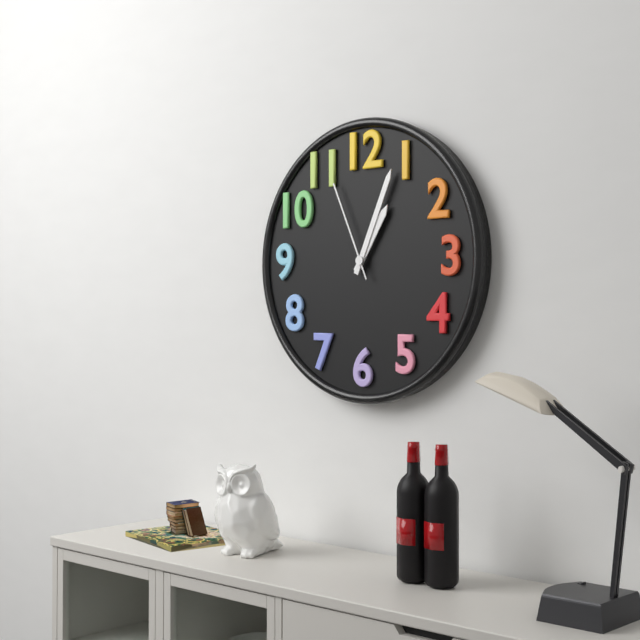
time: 1:04:56
